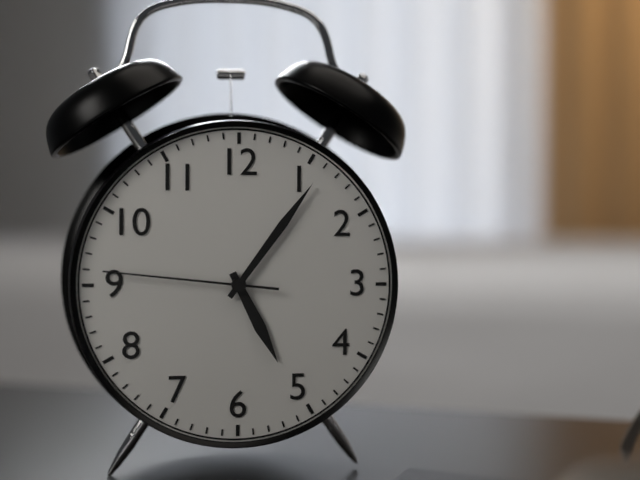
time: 5:06:46
